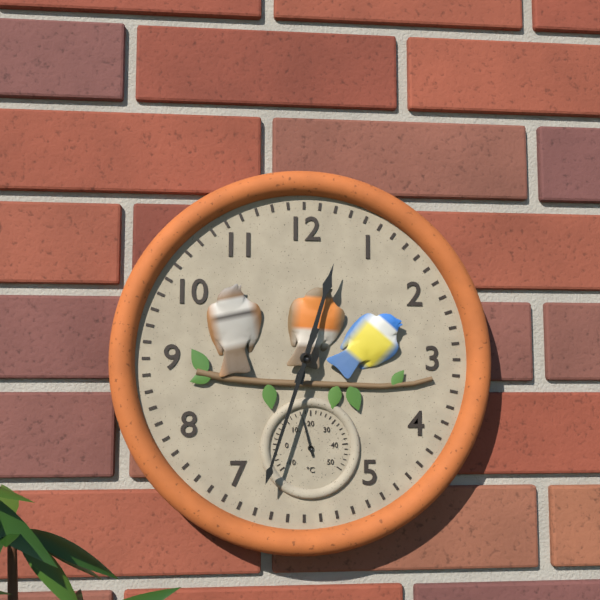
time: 12:33
